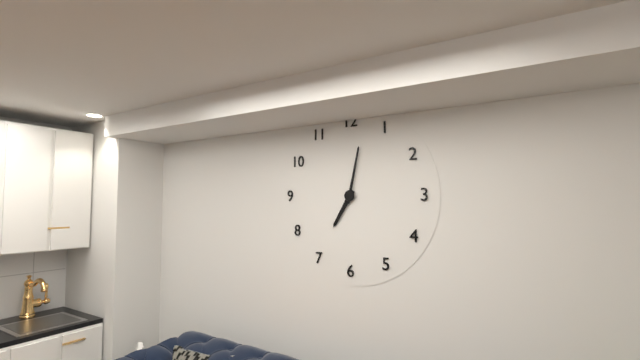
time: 7:02
